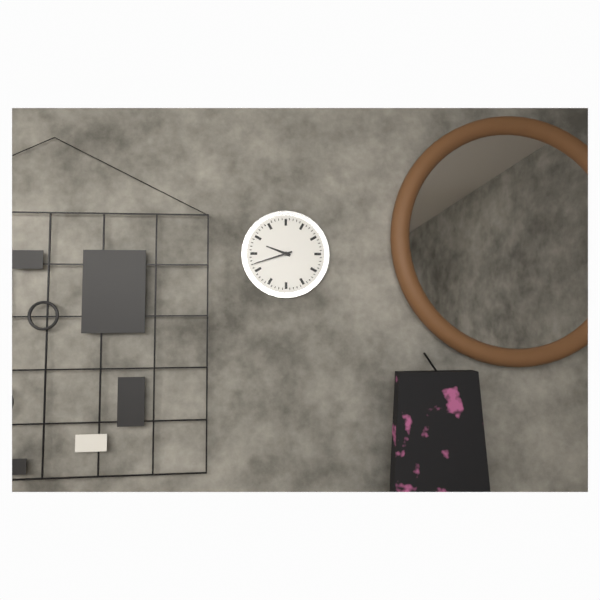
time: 9:42
